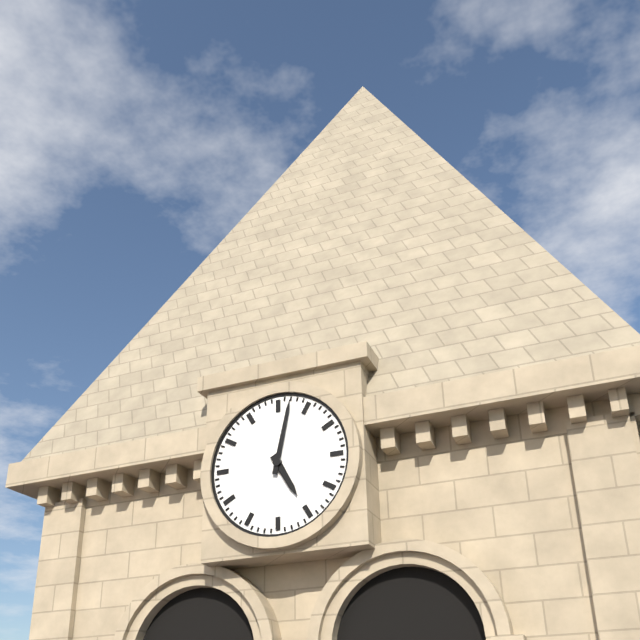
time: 5:02
